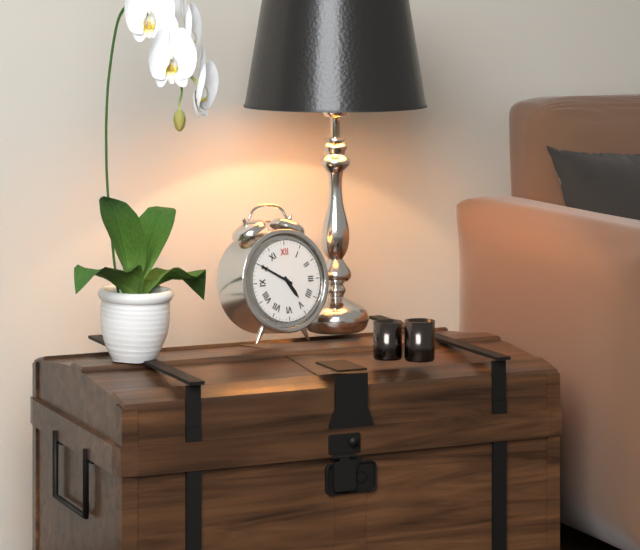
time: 4:50
